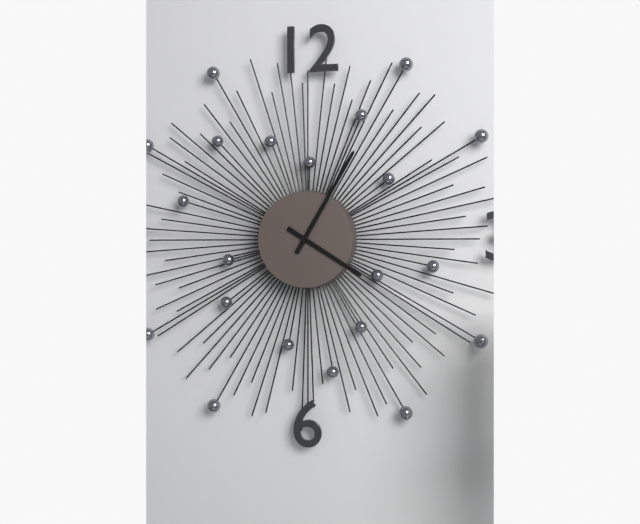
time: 4:05
